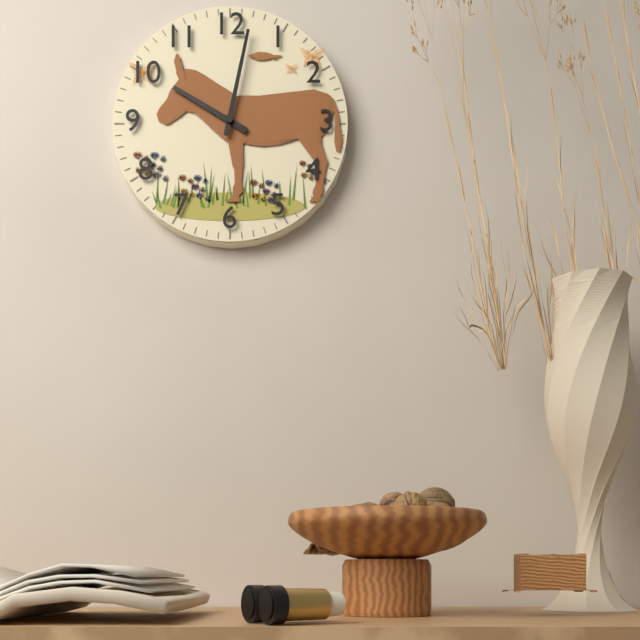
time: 10:02
